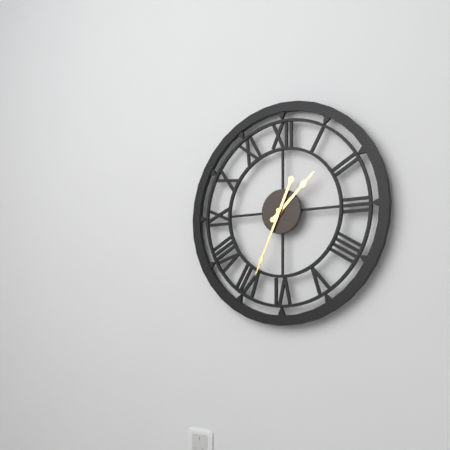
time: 1:34
